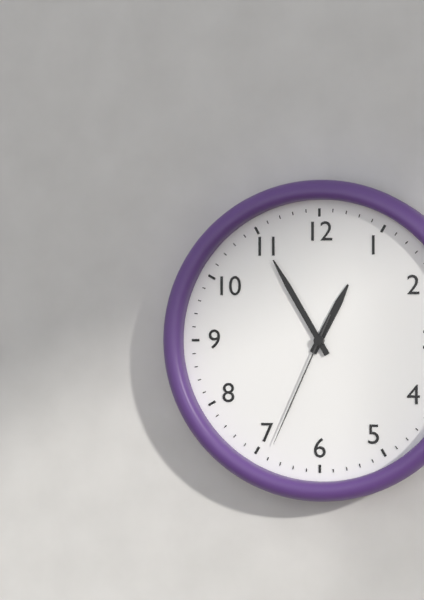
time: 12:55:34
